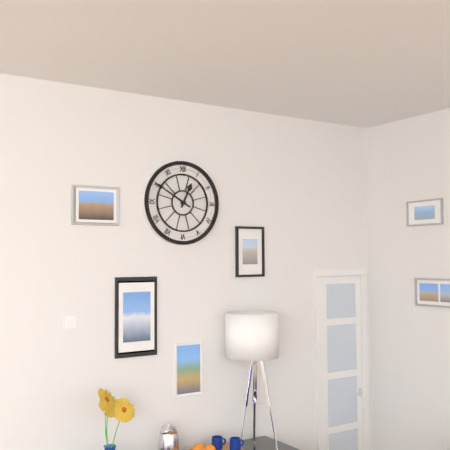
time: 12:50
